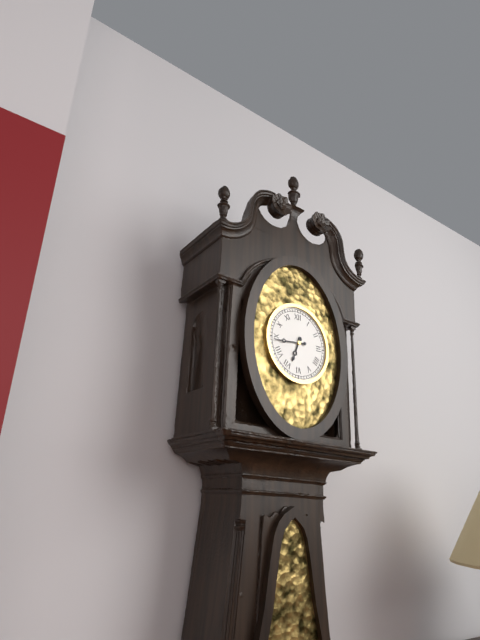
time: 6:44
